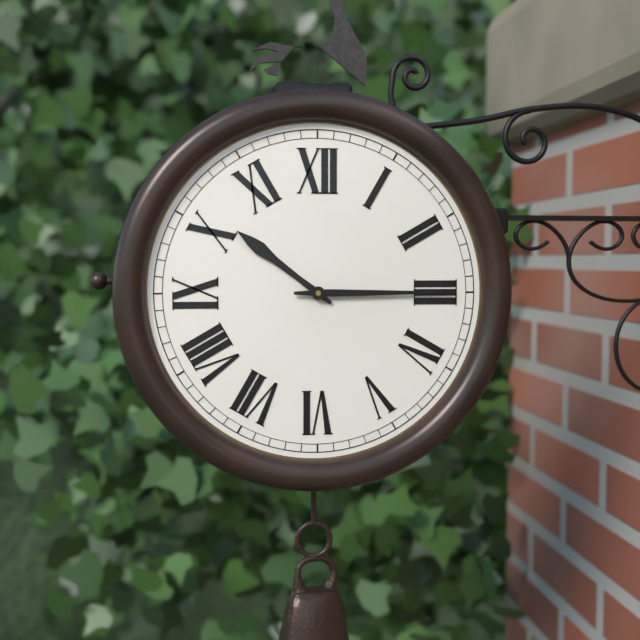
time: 10:15
